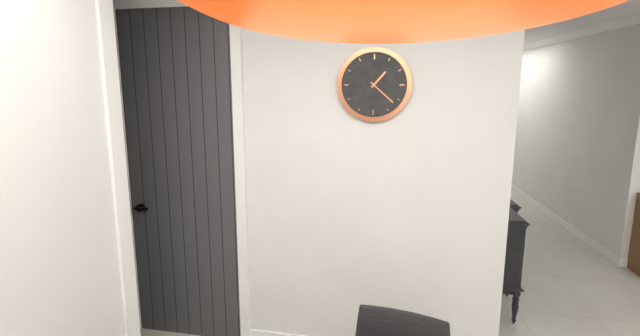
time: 1:22
